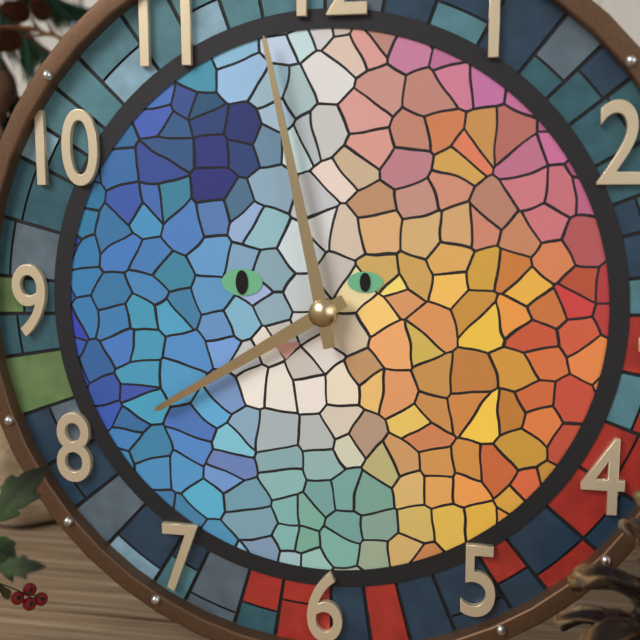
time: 7:58
